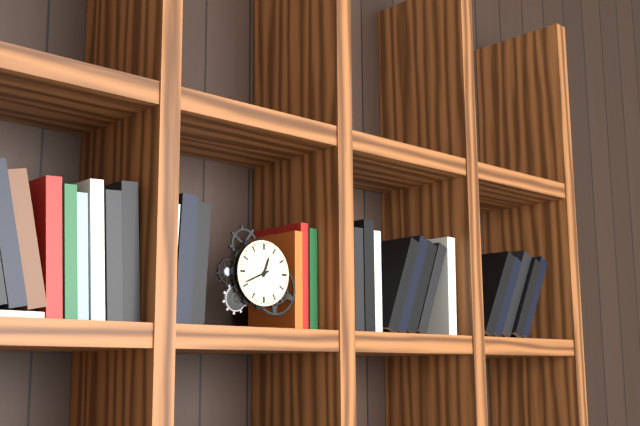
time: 12:41
